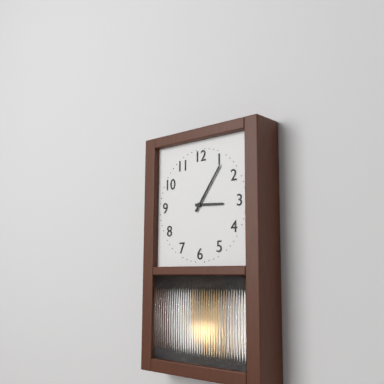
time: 3:06
